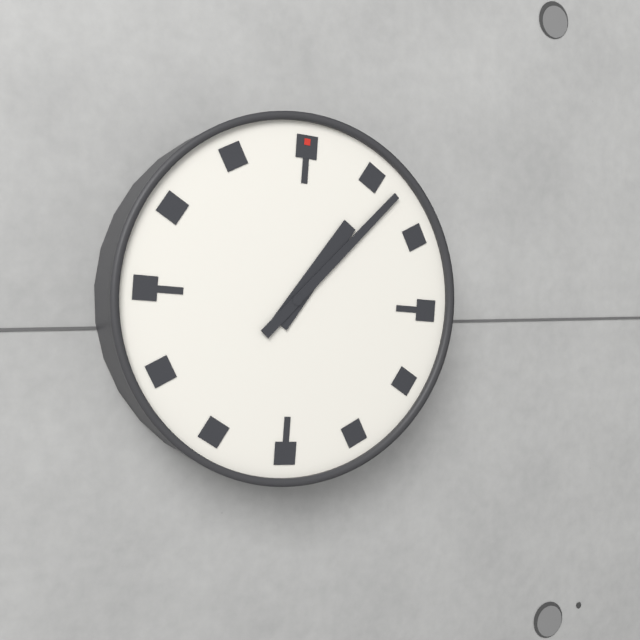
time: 1:07
